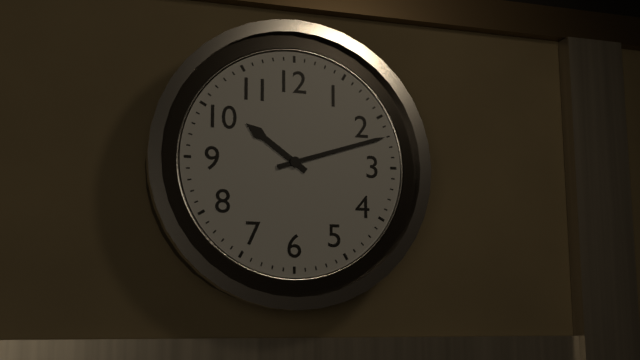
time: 10:12
